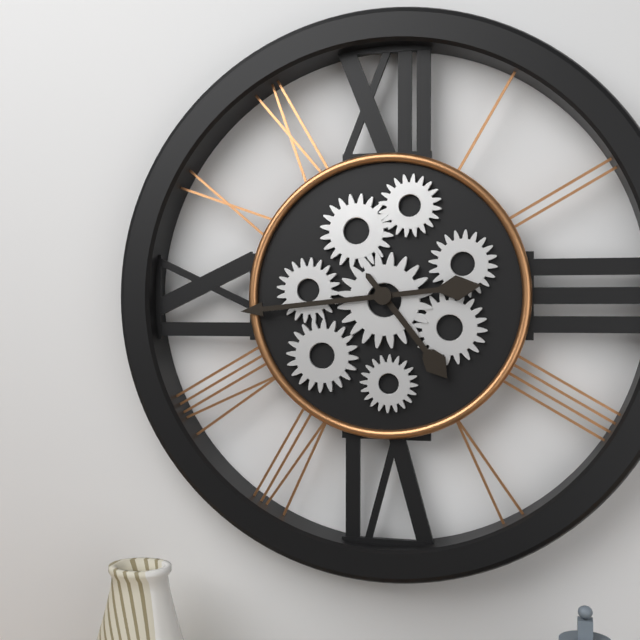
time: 4:44
